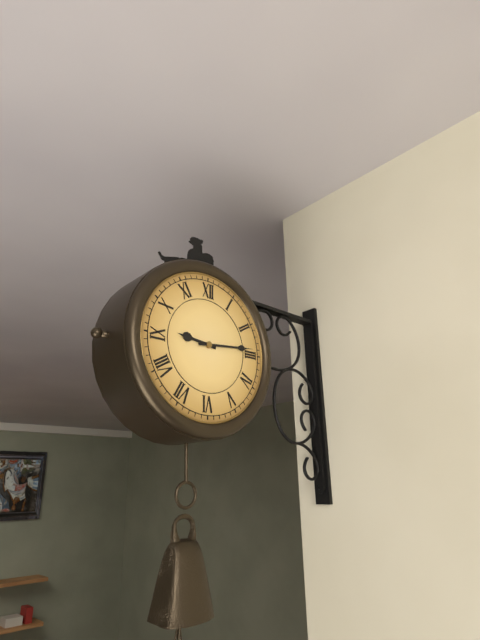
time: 9:14
